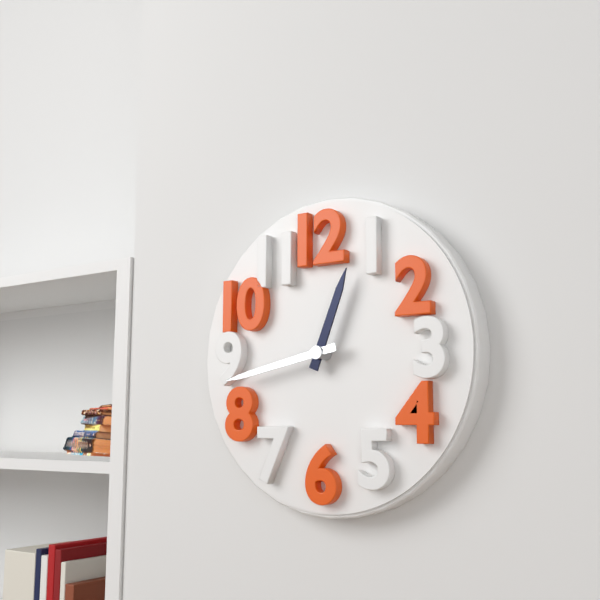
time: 12:43
